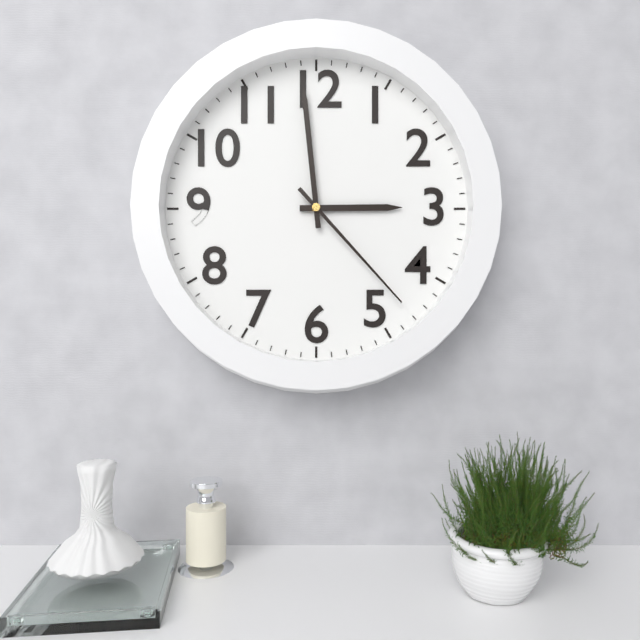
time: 2:59:23
